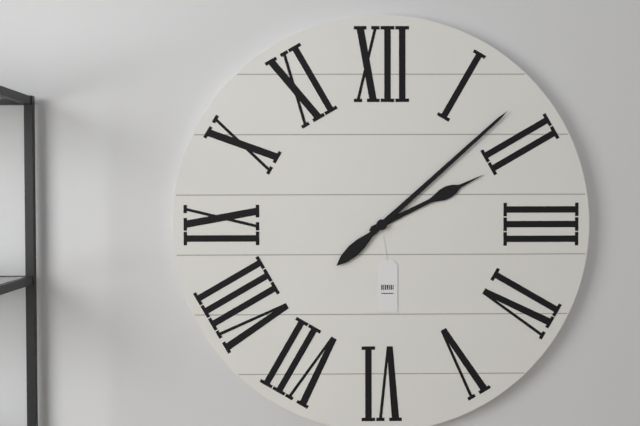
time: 2:08
